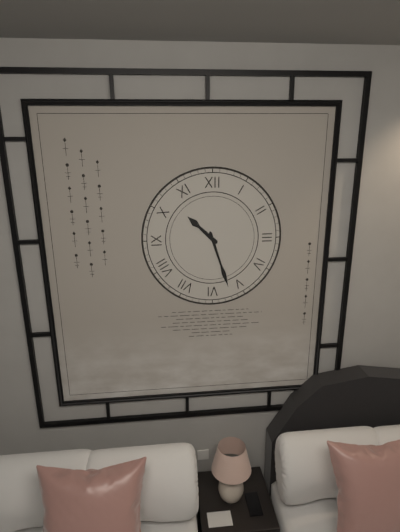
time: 10:27
